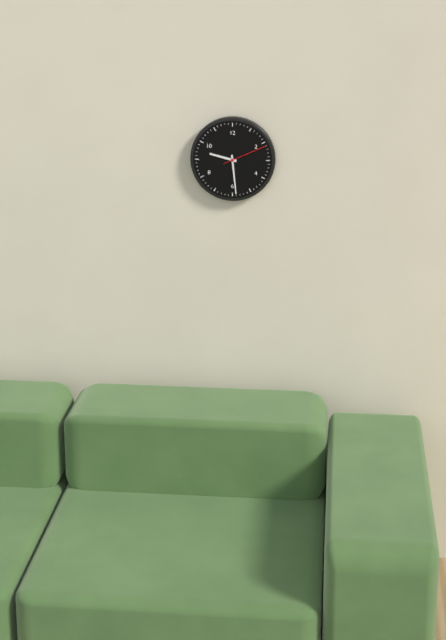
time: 9:29
